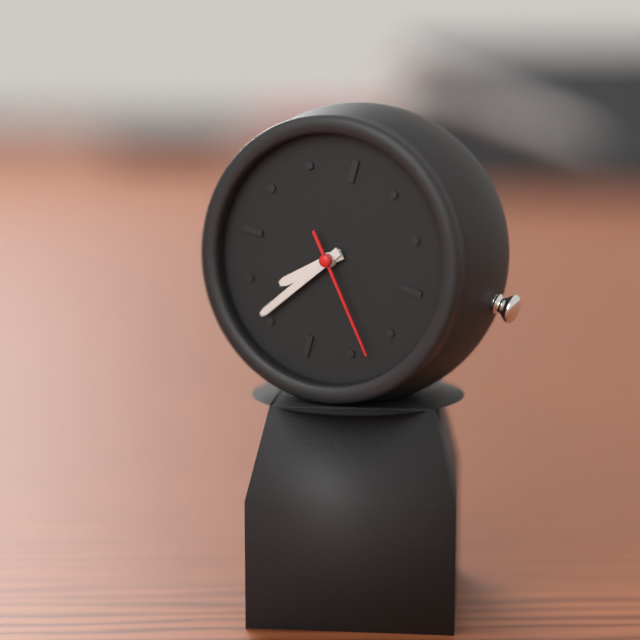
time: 7:36:23
